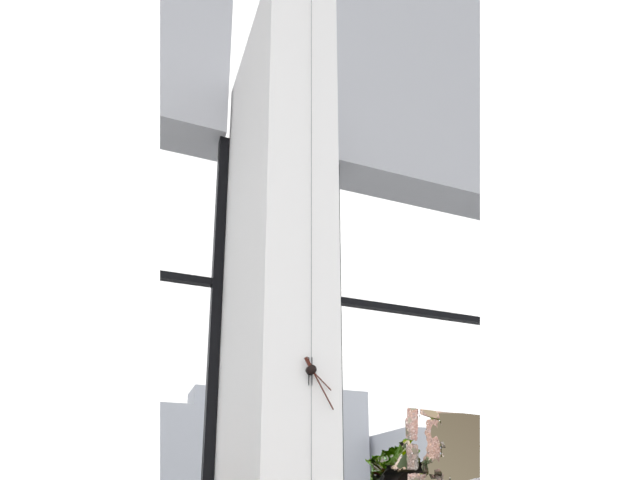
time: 4:25
